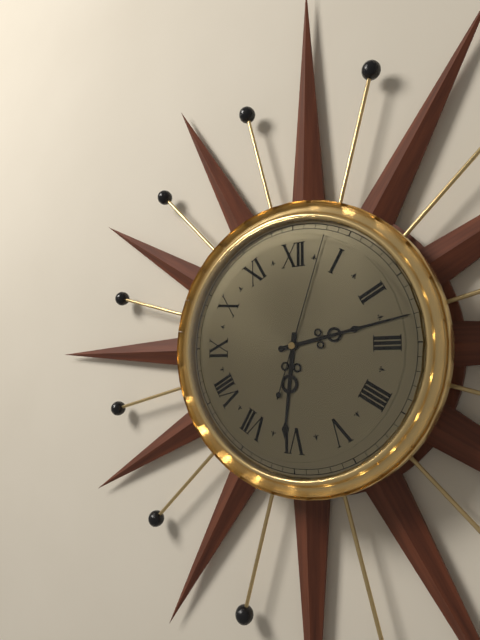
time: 6:13:03
